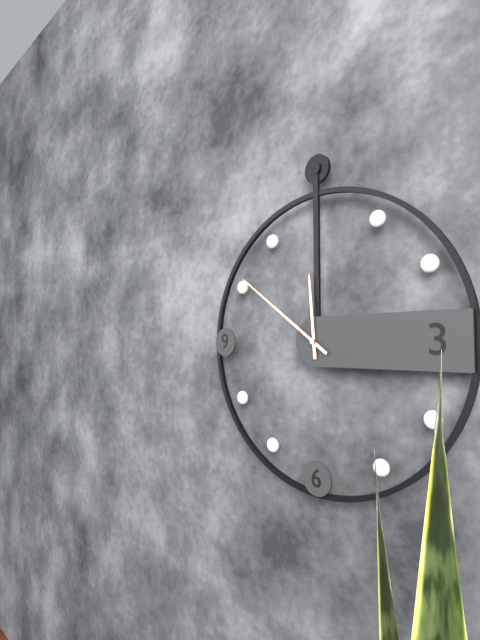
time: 11:51
